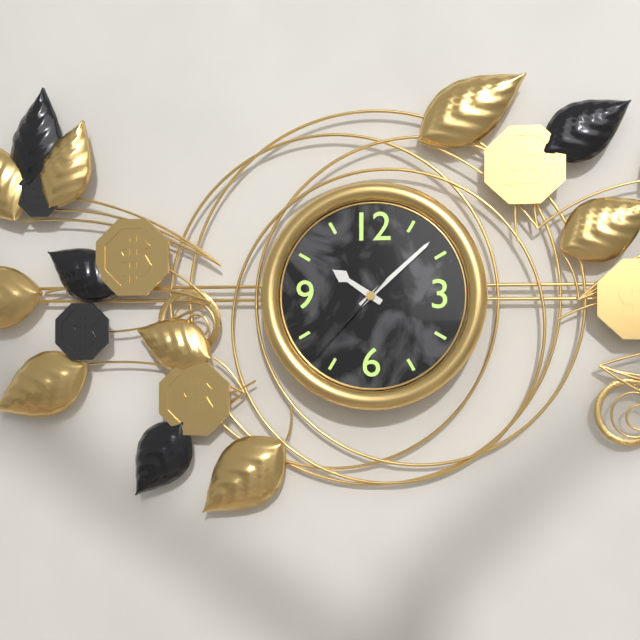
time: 10:08:37
